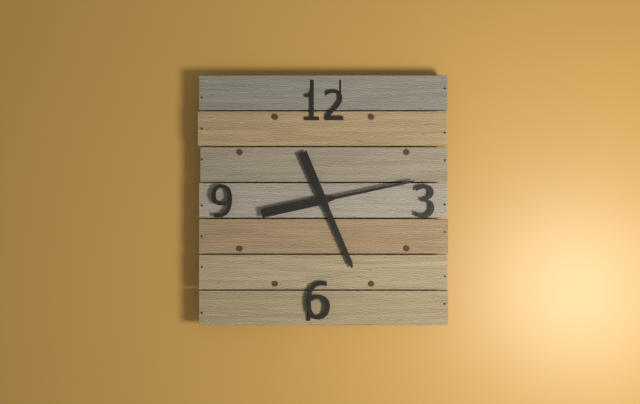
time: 5:13
